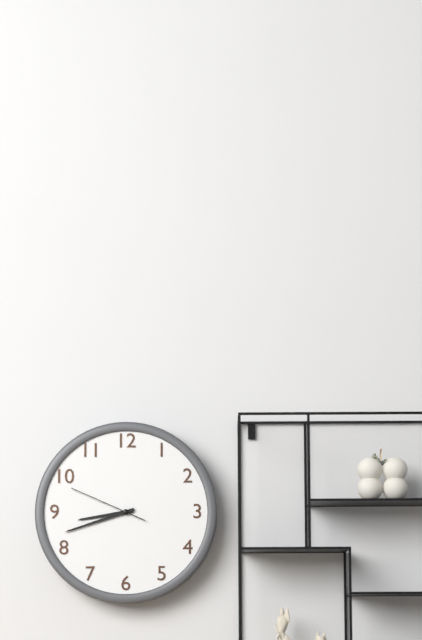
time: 8:42:49
